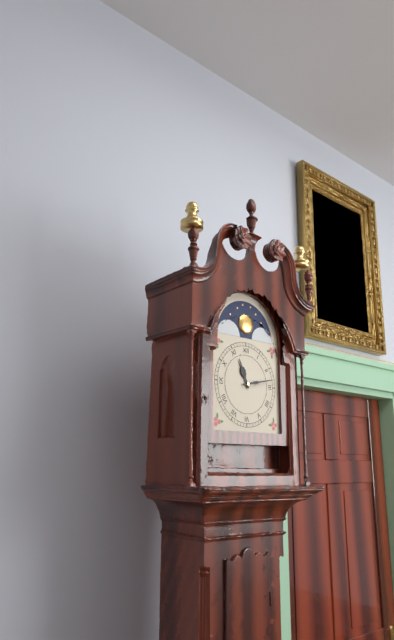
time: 11:13
